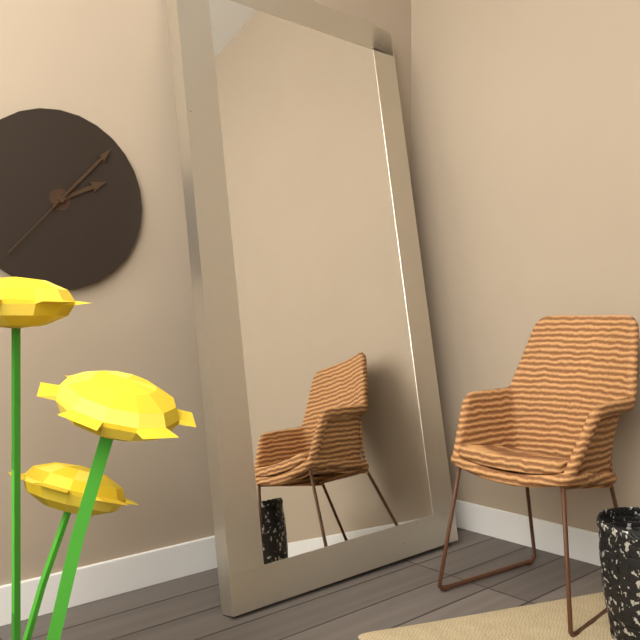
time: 2:07:37
